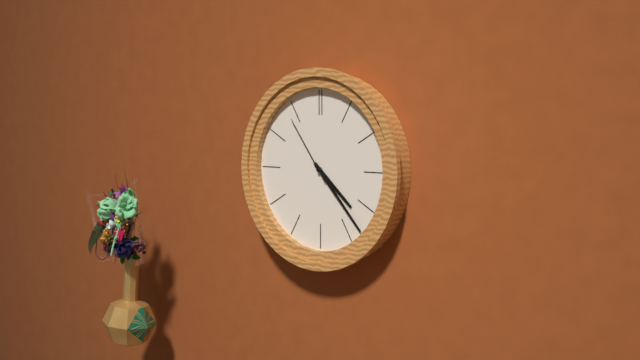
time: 4:23:54
